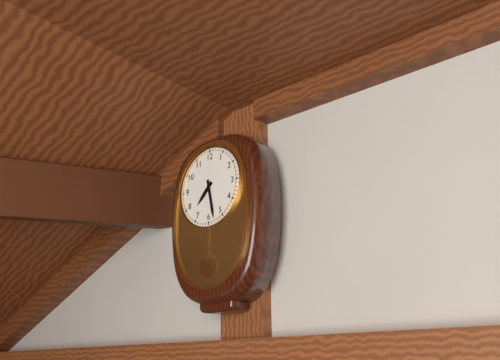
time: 7:28
